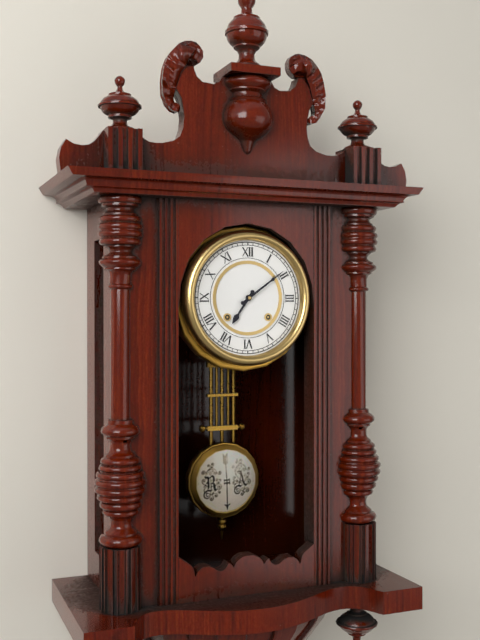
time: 7:09
